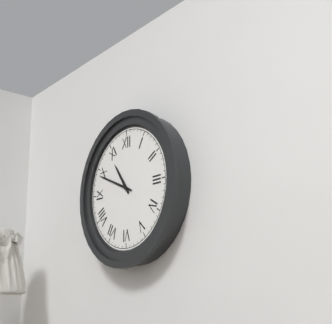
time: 10:49
